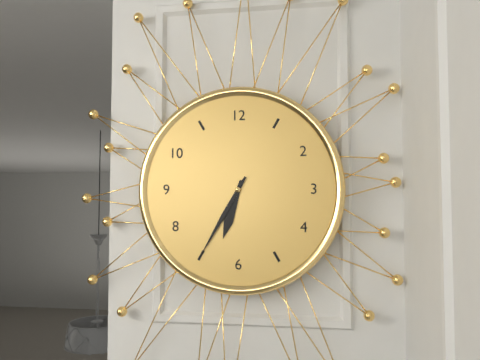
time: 6:35
